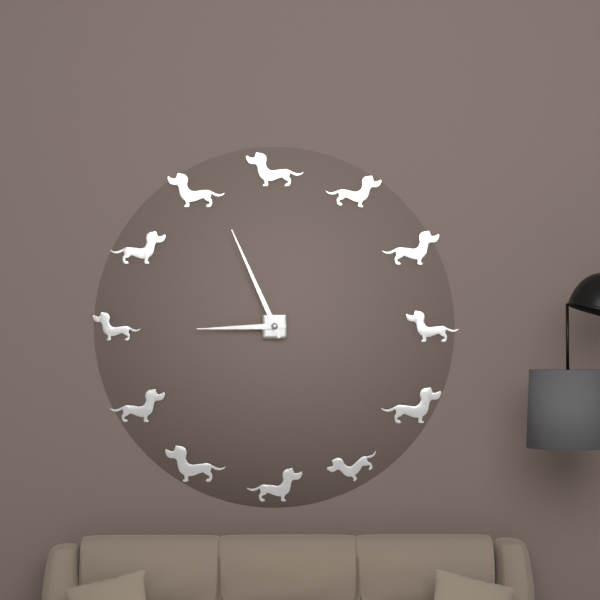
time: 8:56
